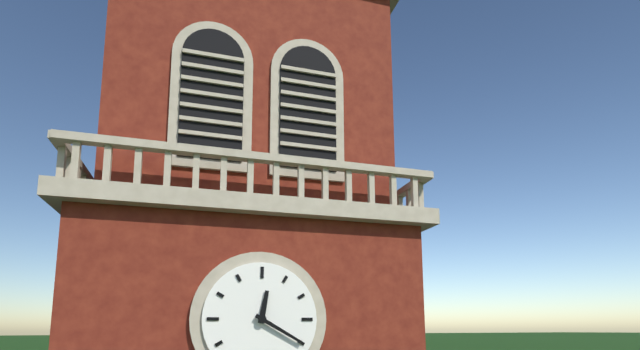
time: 12:20
